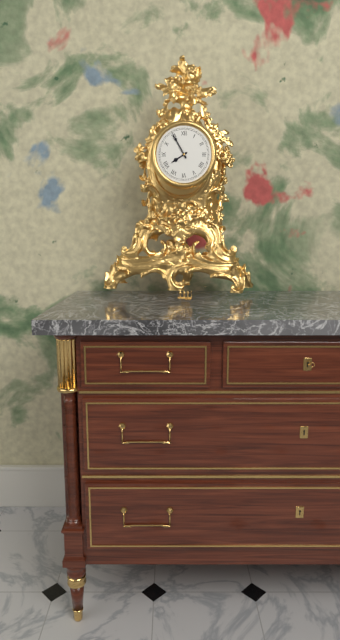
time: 7:55
